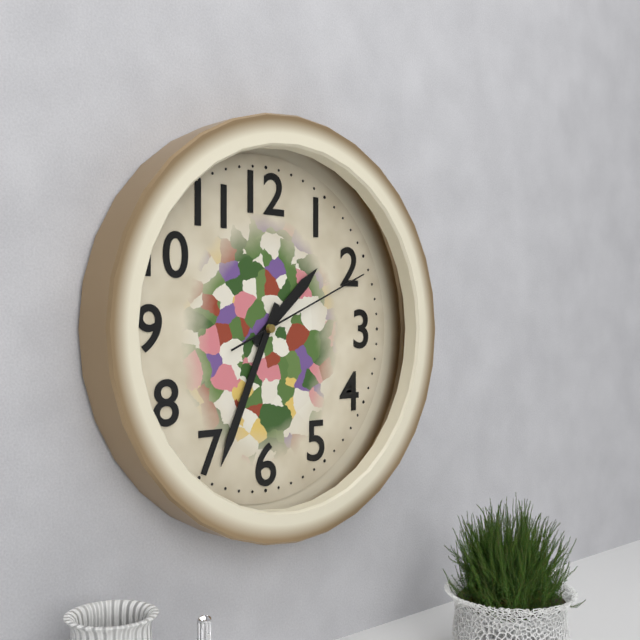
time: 1:34:11
